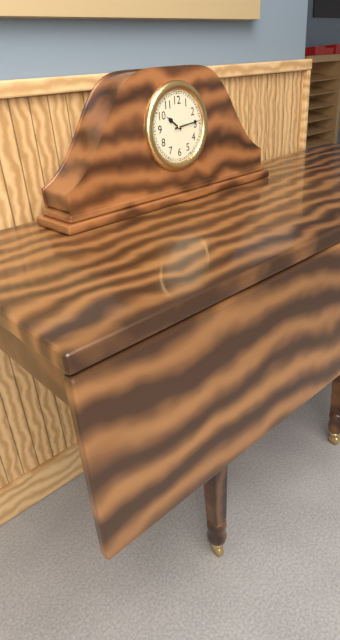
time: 10:14
